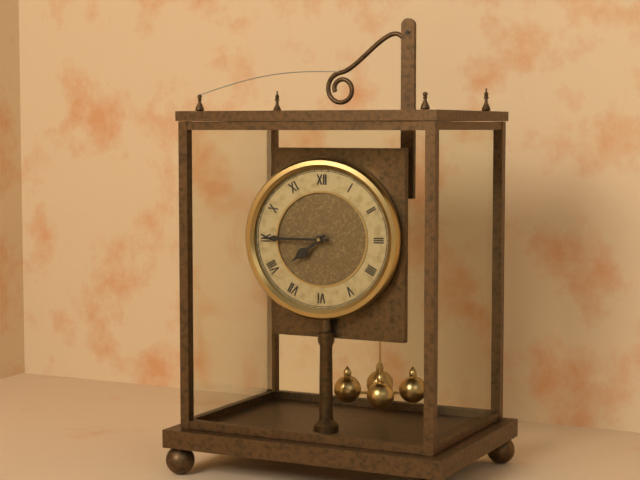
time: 7:45
